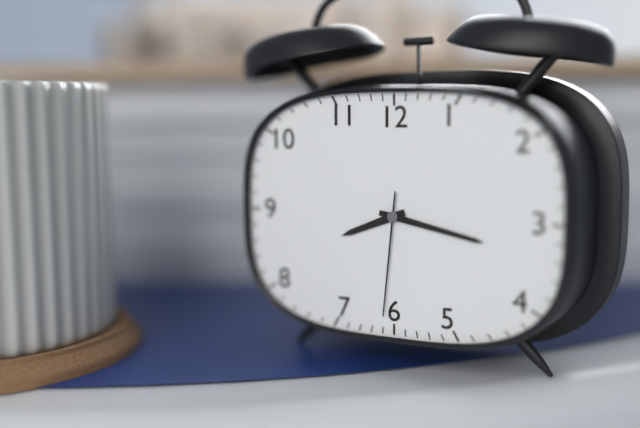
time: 8:17:31
